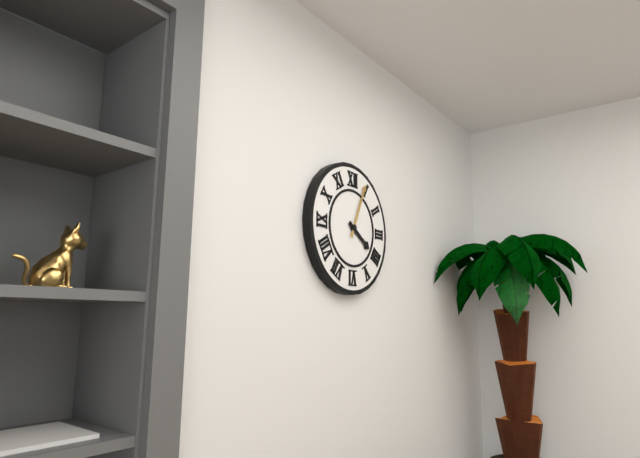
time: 4:04
